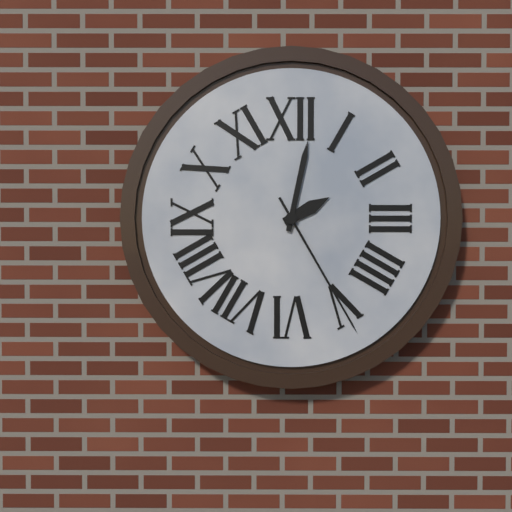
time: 2:02:25
